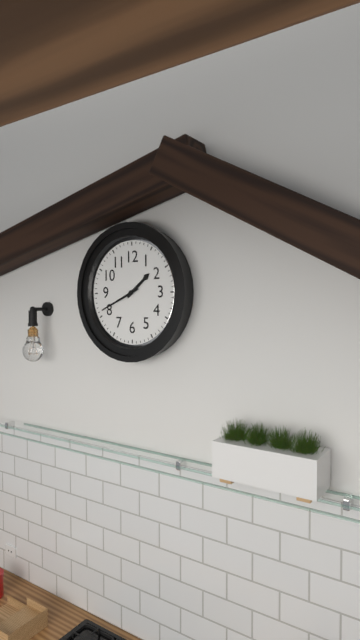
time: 1:41
